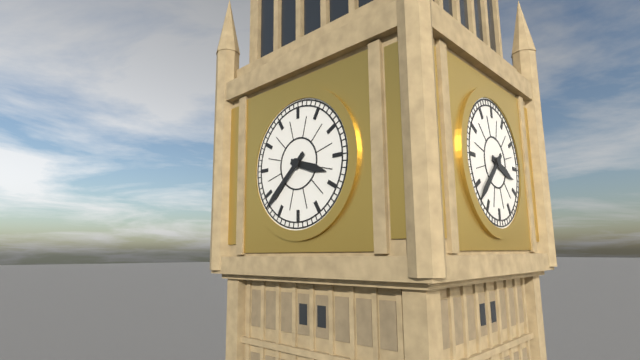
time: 3:38
